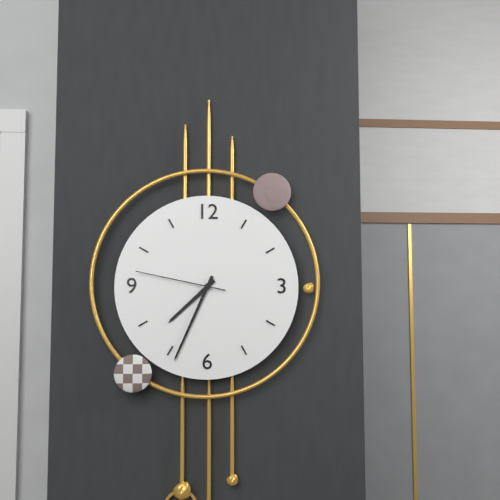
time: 7:34:47
